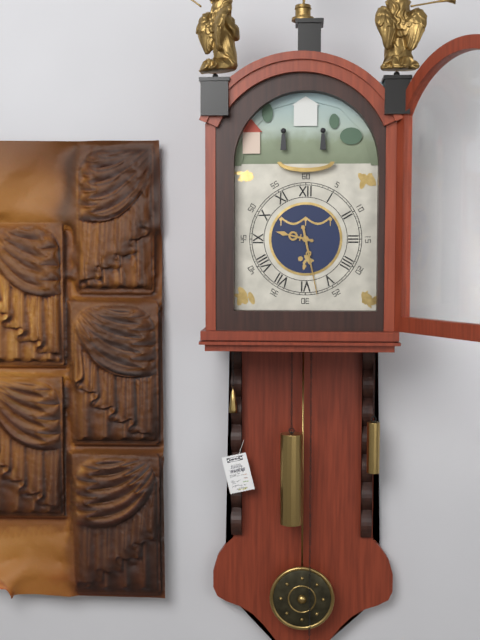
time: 9:28
